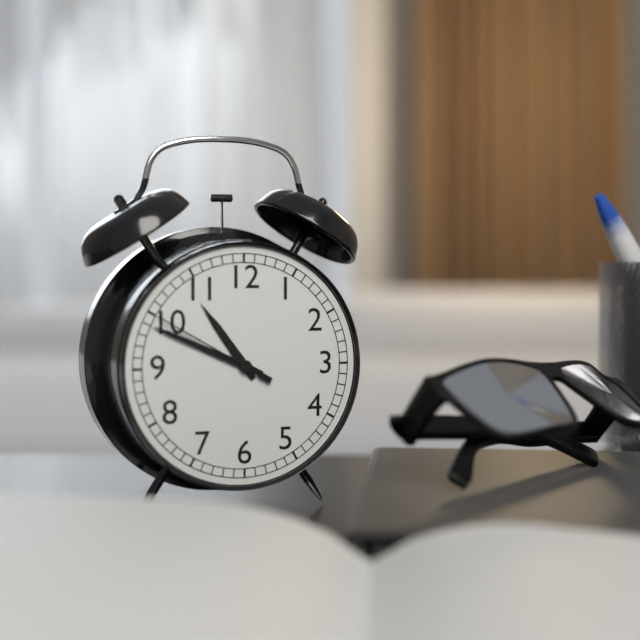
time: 10:49:50
